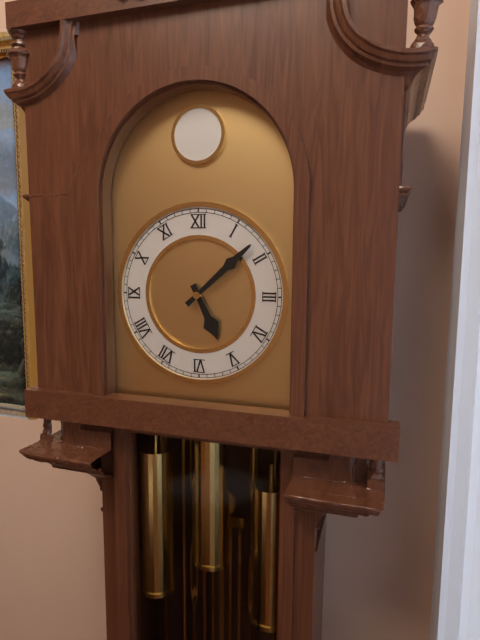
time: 5:08
